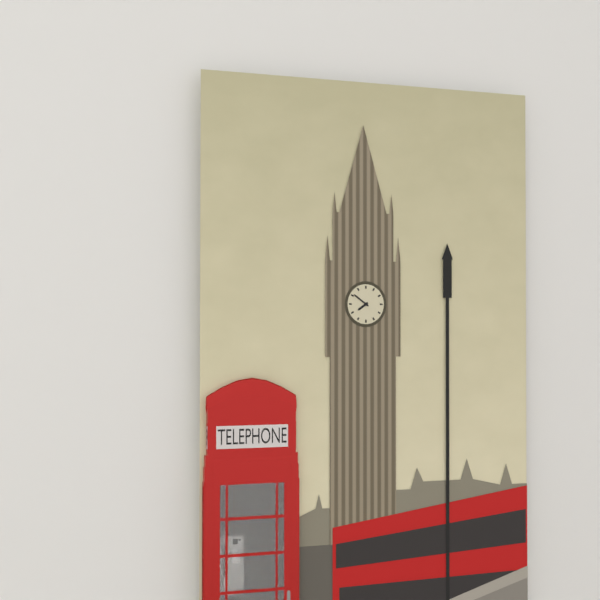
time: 7:51
